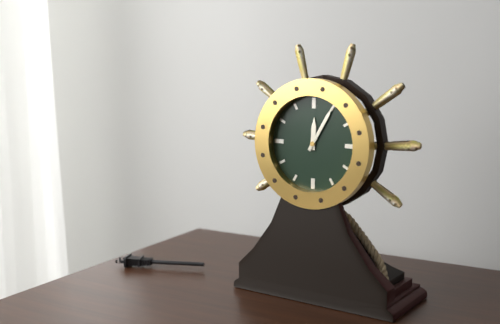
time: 12:05
